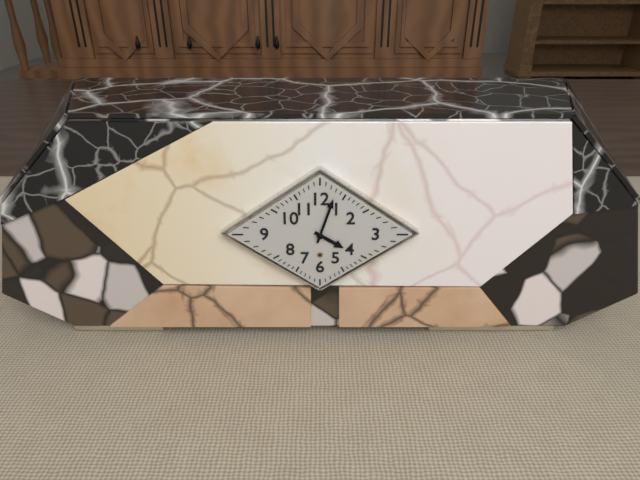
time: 4:03
